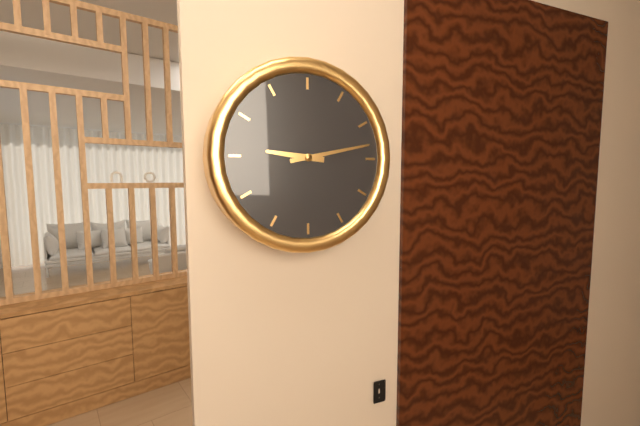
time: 9:13
